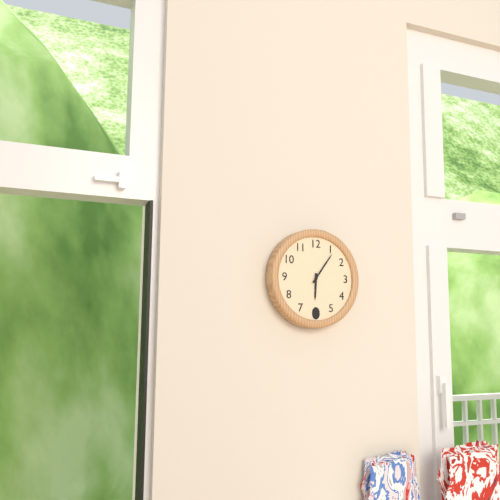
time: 6:06
